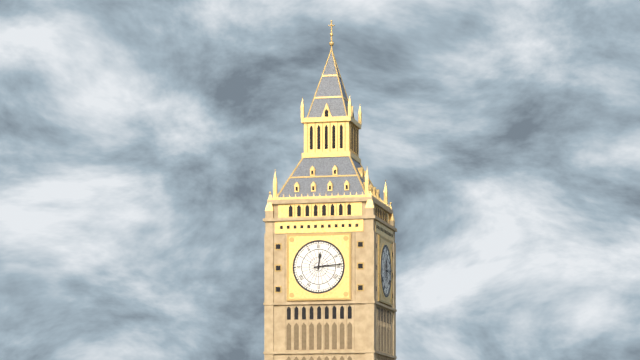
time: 12:14
